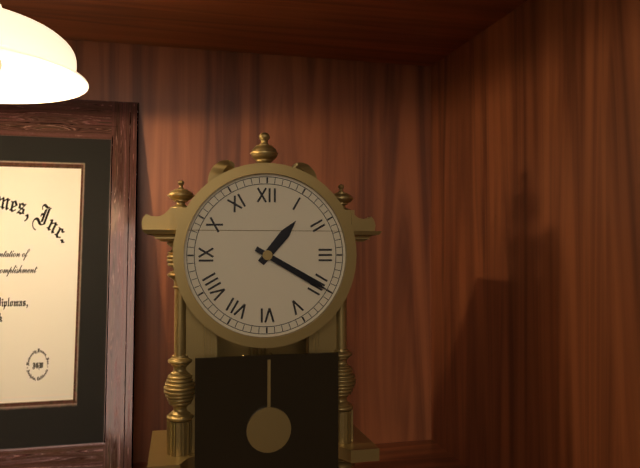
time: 1:20
